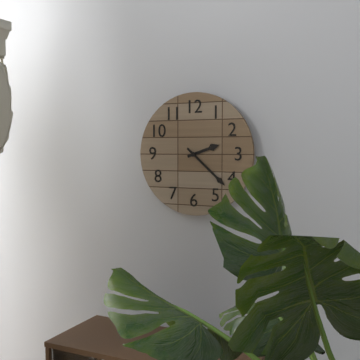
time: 2:22
